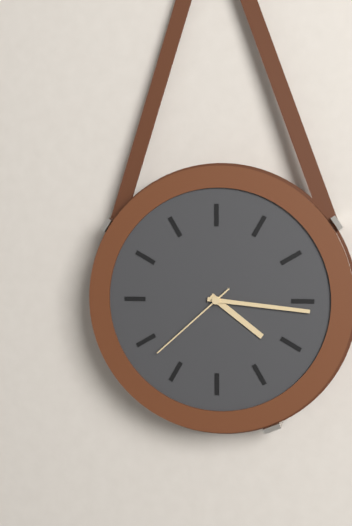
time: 4:16:38
